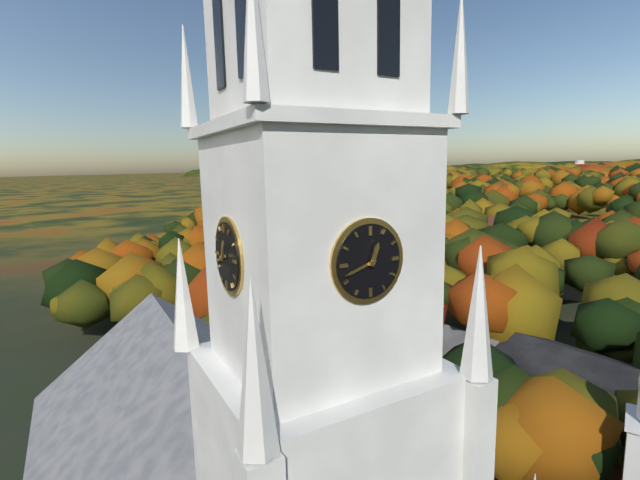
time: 12:42
